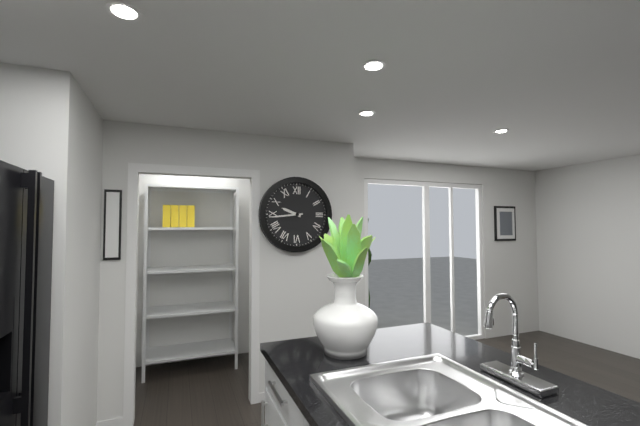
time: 9:44
